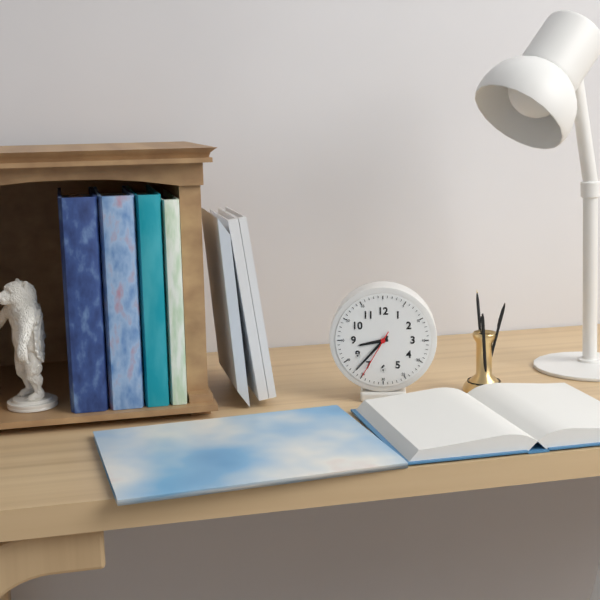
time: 8:37:35
